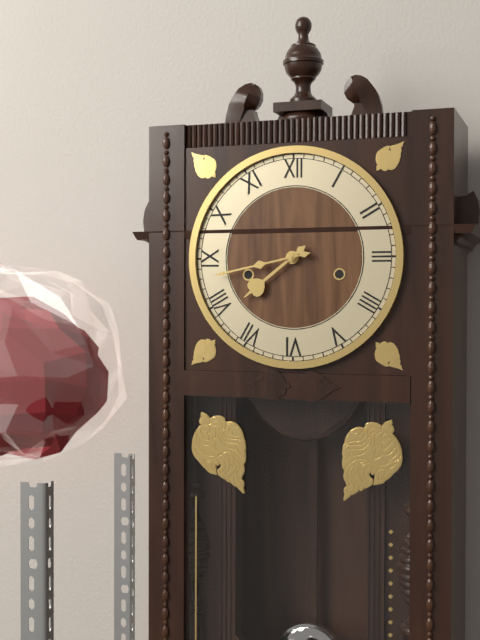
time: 7:43
